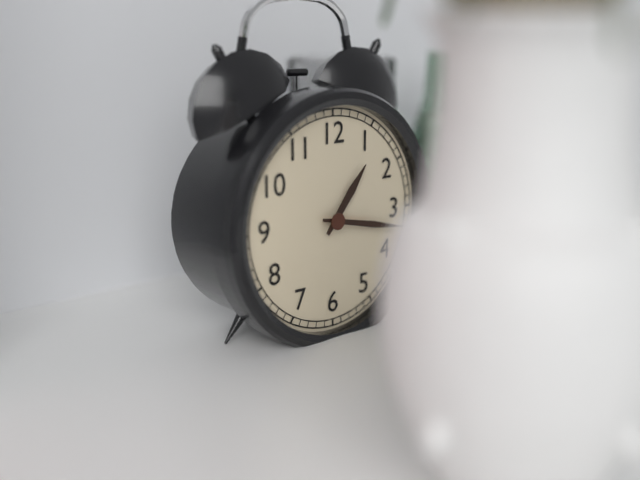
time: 1:17
